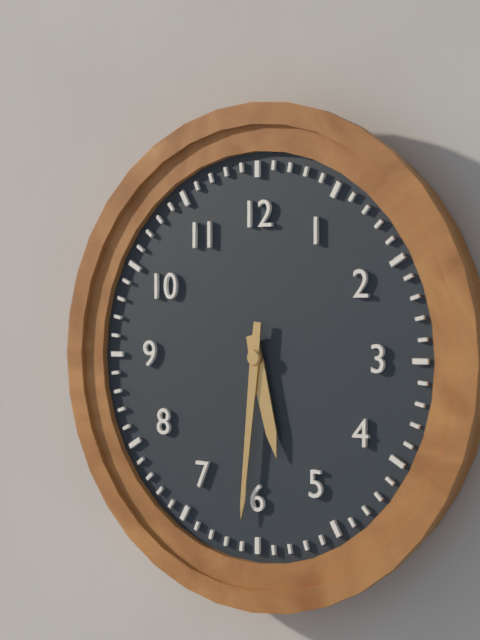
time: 5:31
